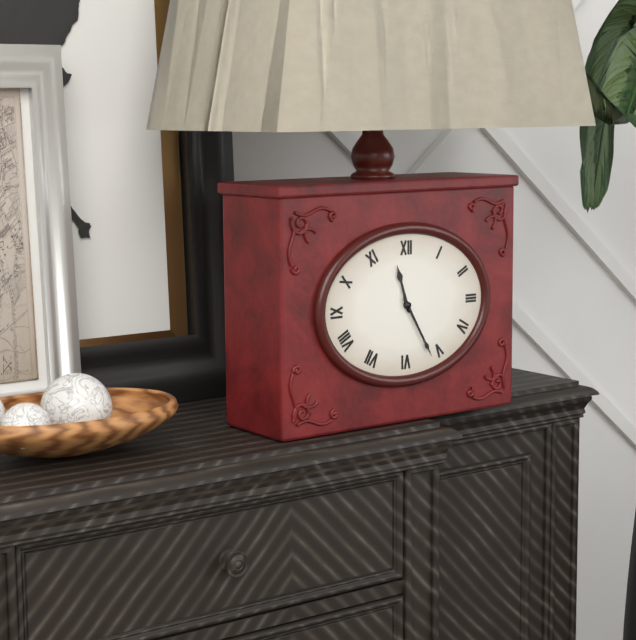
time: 11:25
